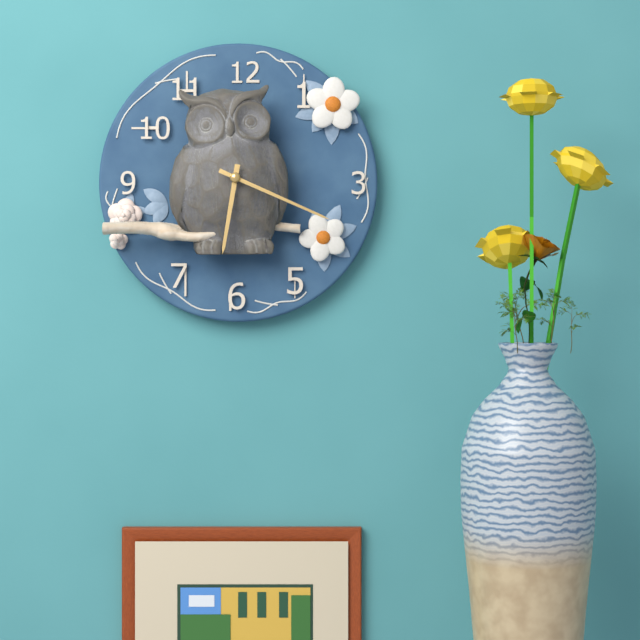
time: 6:19
